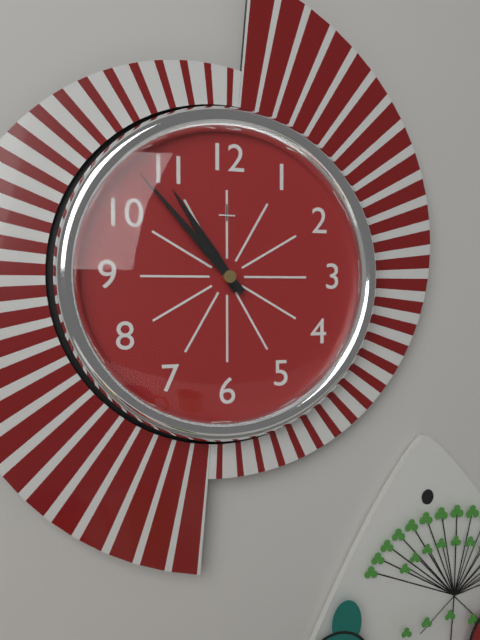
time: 10:53
